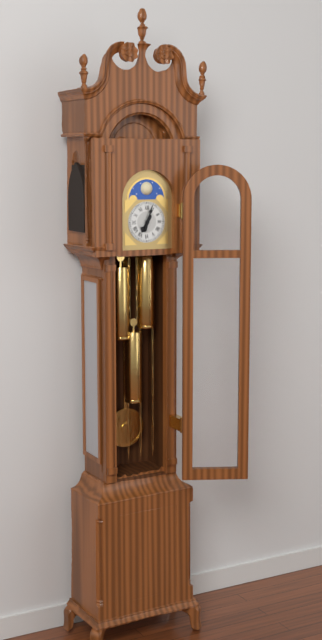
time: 7:03
